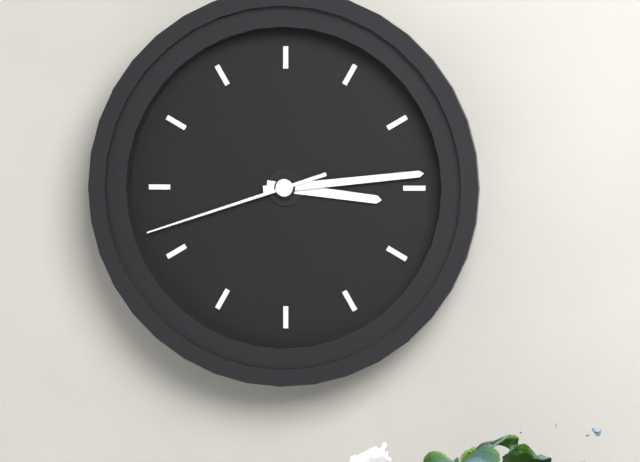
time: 3:14:42
